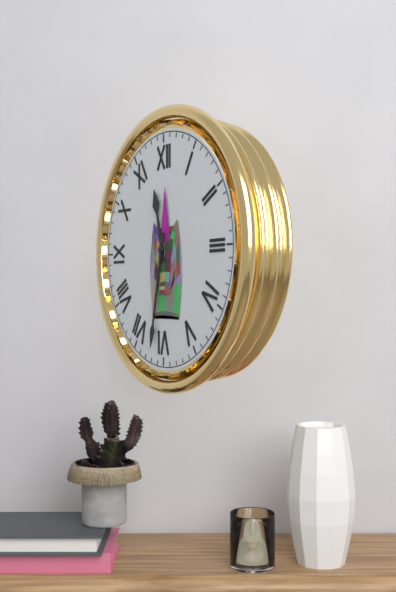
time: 11:32
